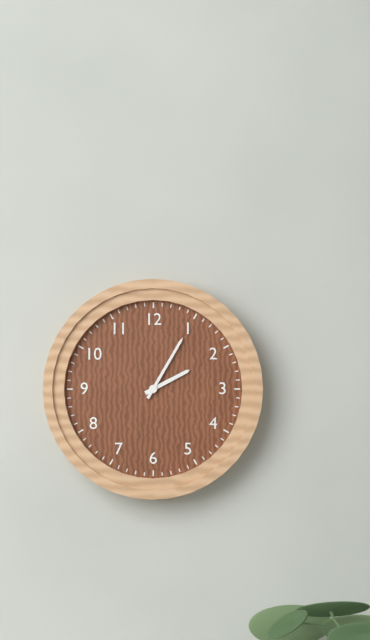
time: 2:05
